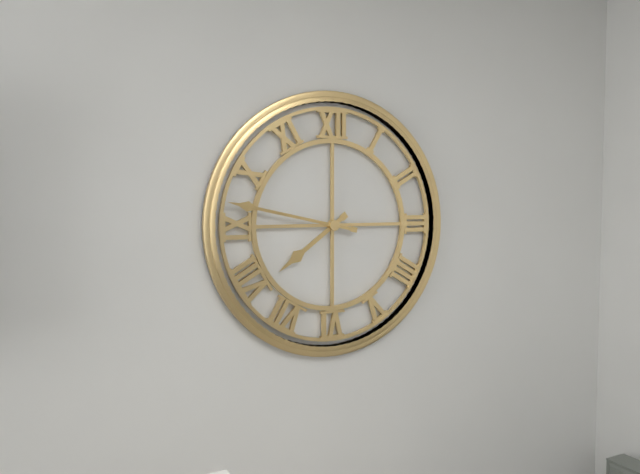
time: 7:47
